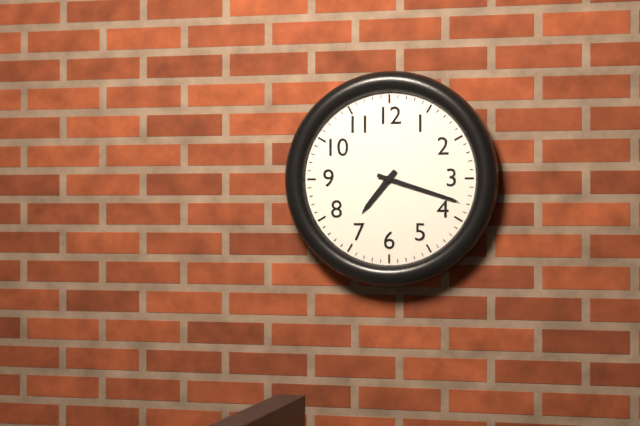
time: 7:18
